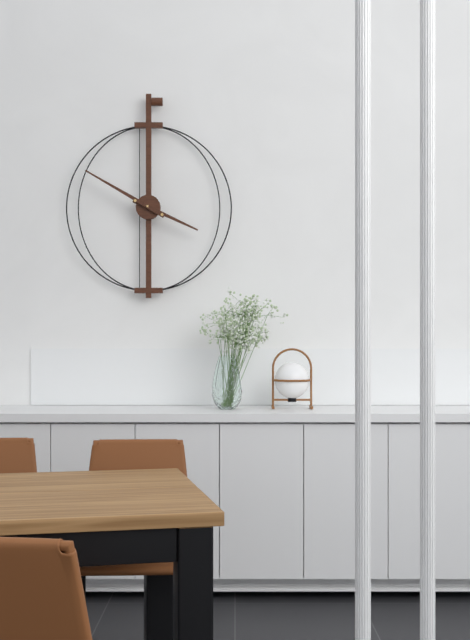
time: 3:50
